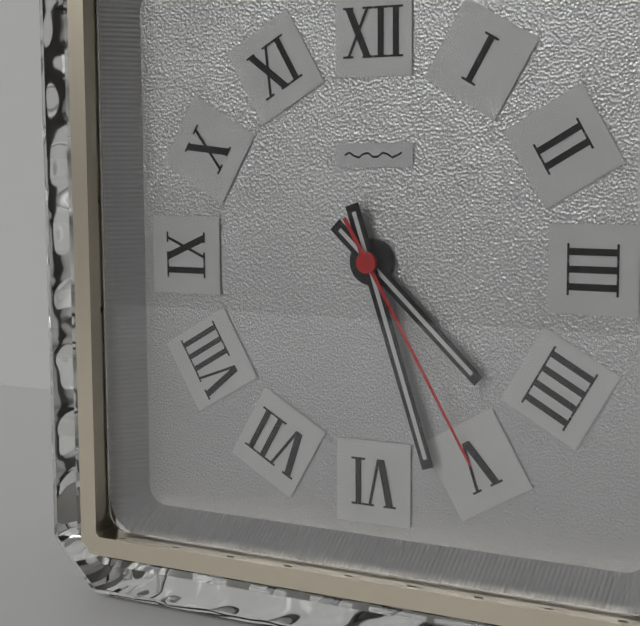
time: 4:27:25
